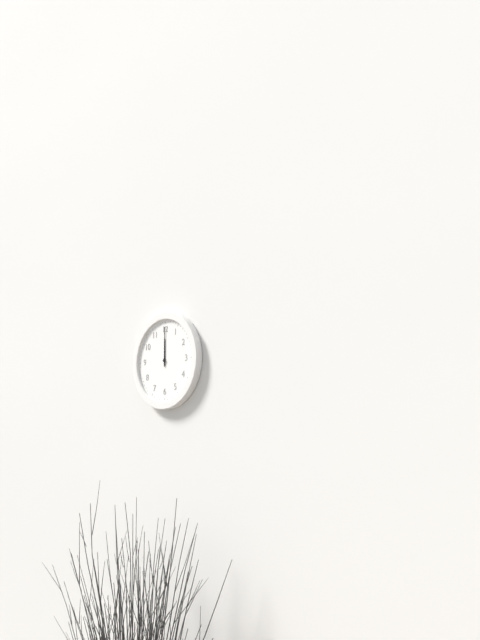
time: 12:00
